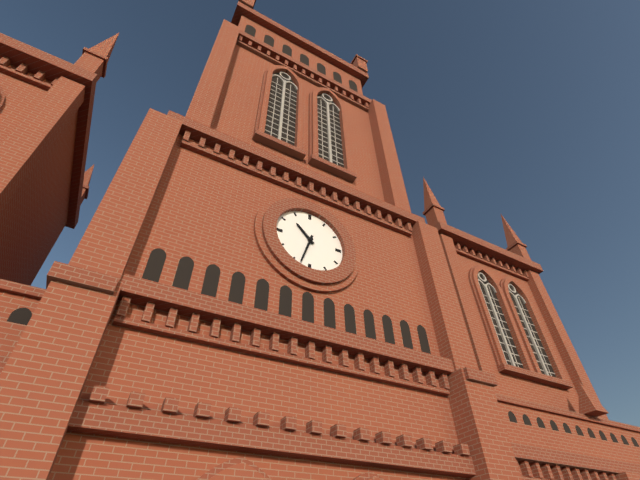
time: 10:33
